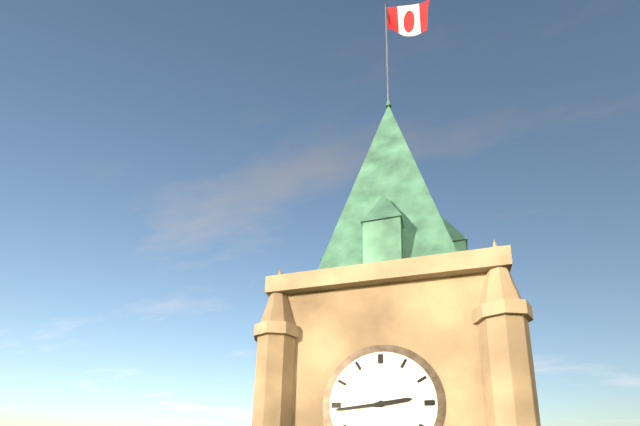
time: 2:44
